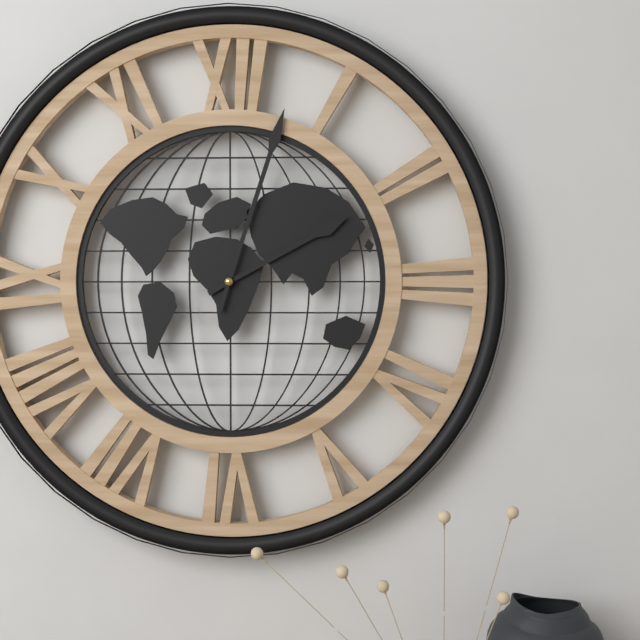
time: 2:03
